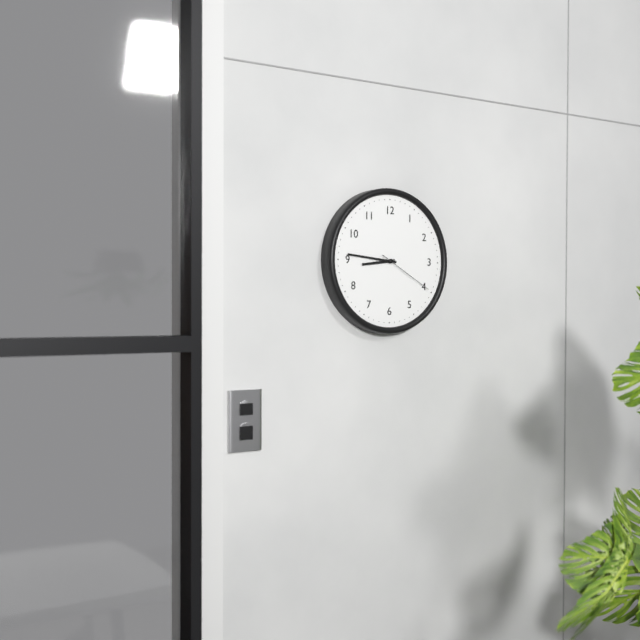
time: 8:46:20
